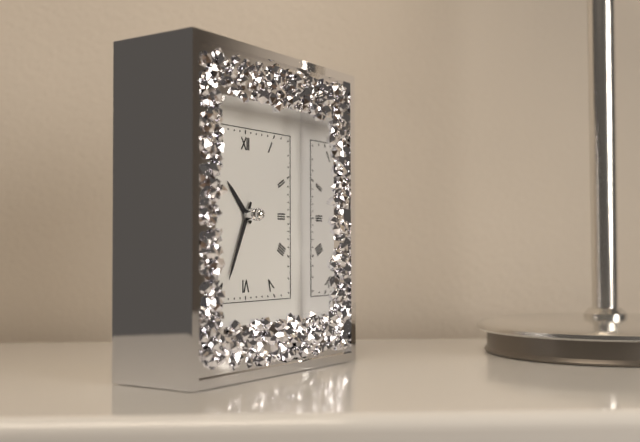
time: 10:34
